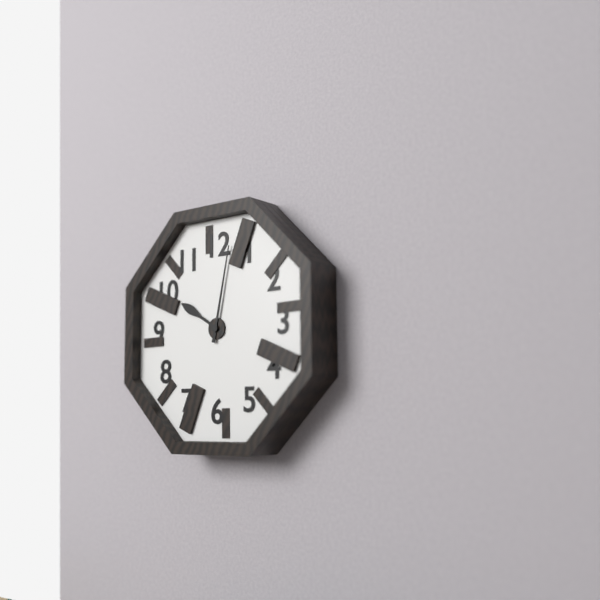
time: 10:02
